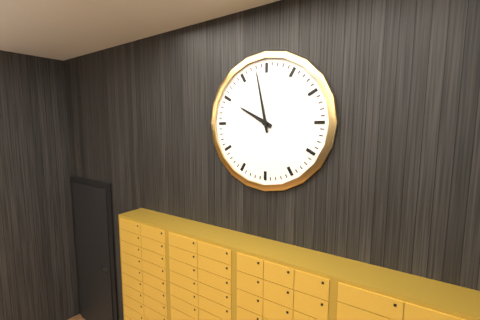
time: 9:58
